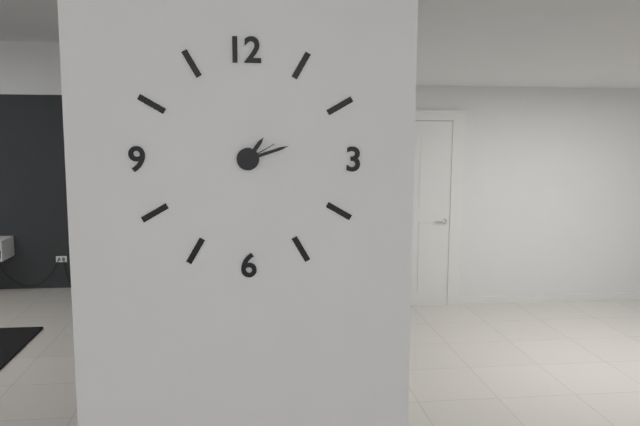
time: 1:12
